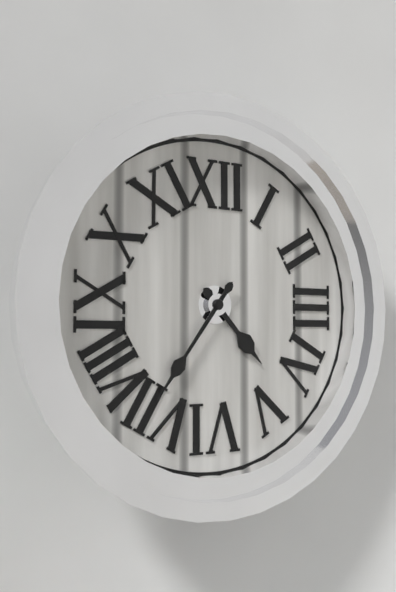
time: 4:36
